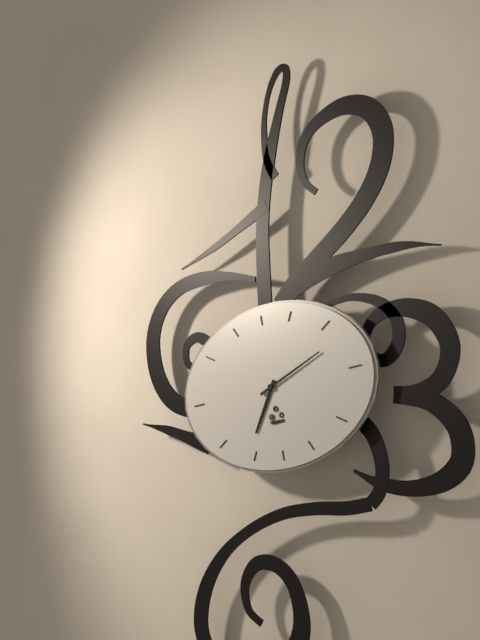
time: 7:12
